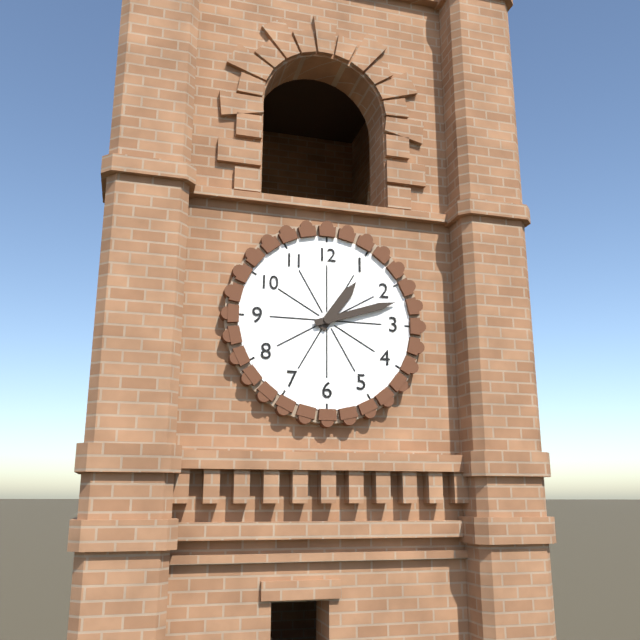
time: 1:12
